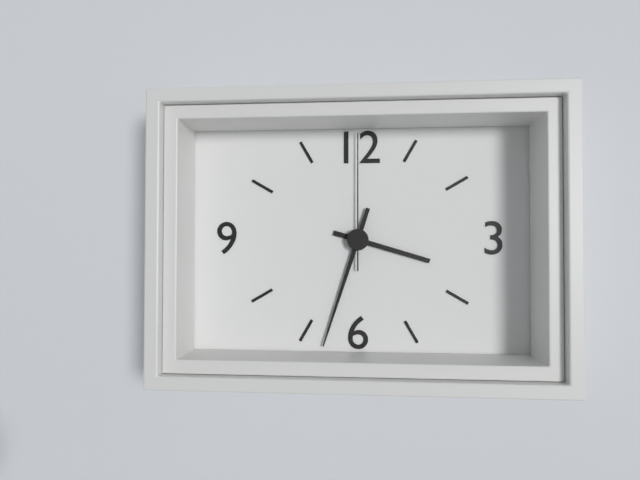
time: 3:33:00
